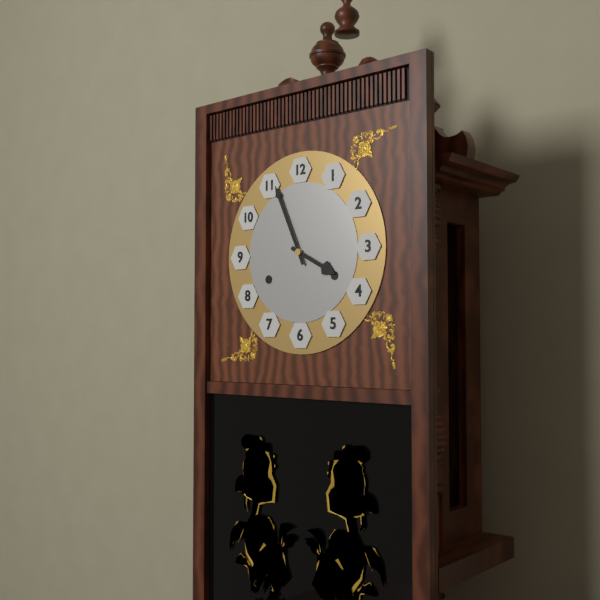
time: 3:56
